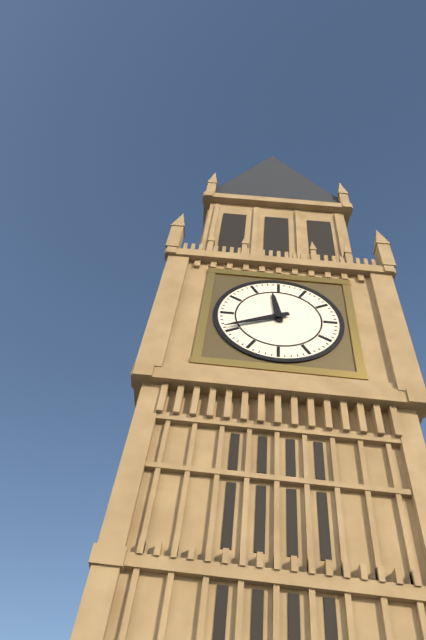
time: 11:41
